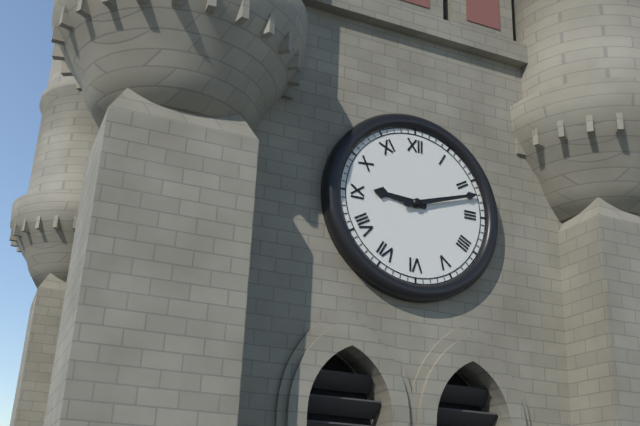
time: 9:12
